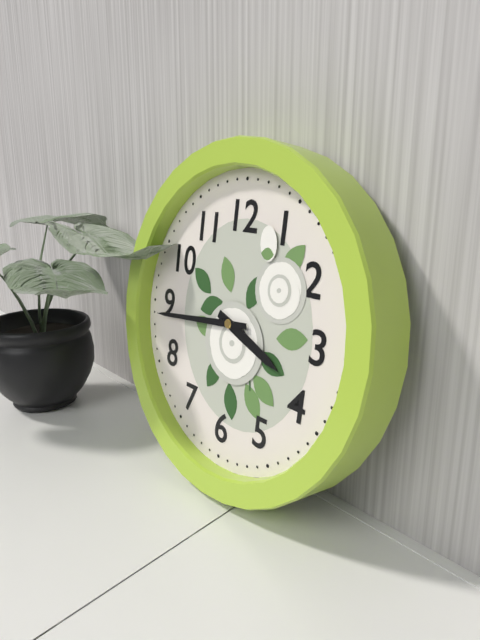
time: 3:44
